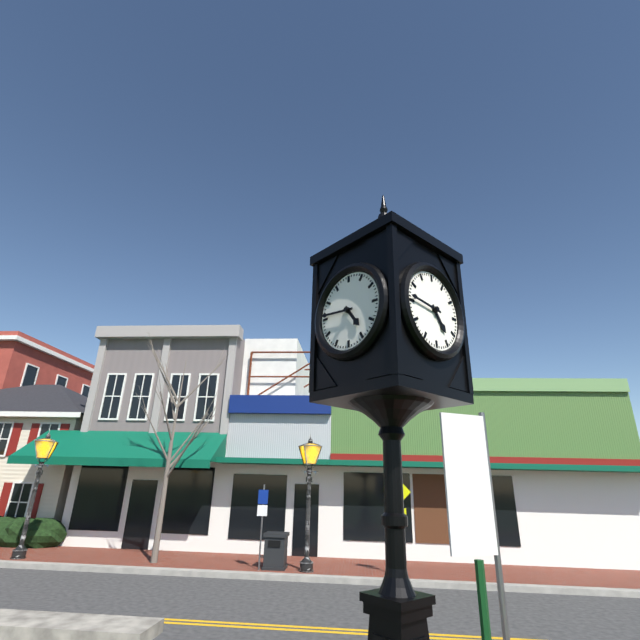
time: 4:46
